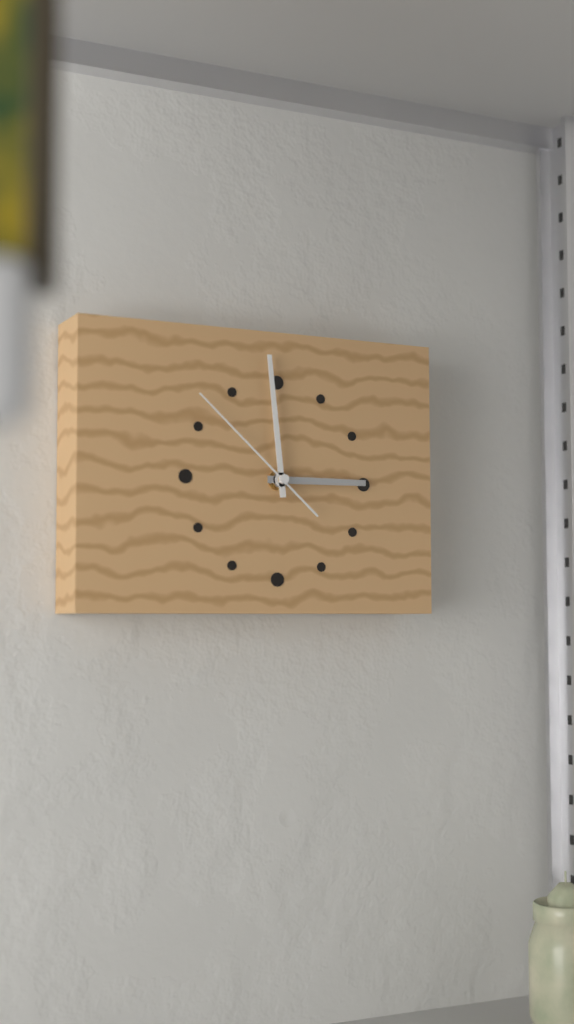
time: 2:59:52
